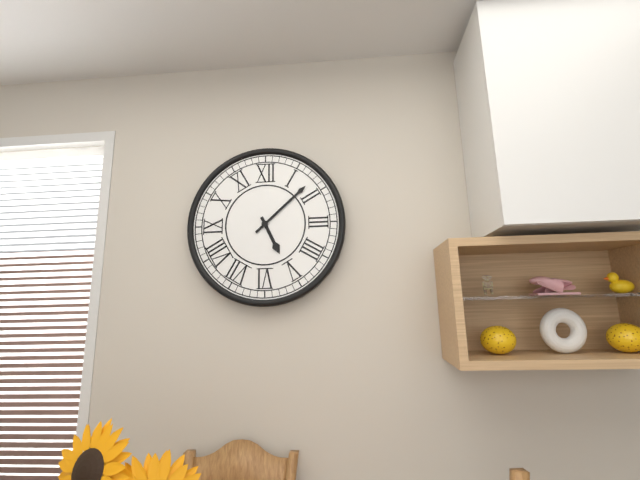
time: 5:08
